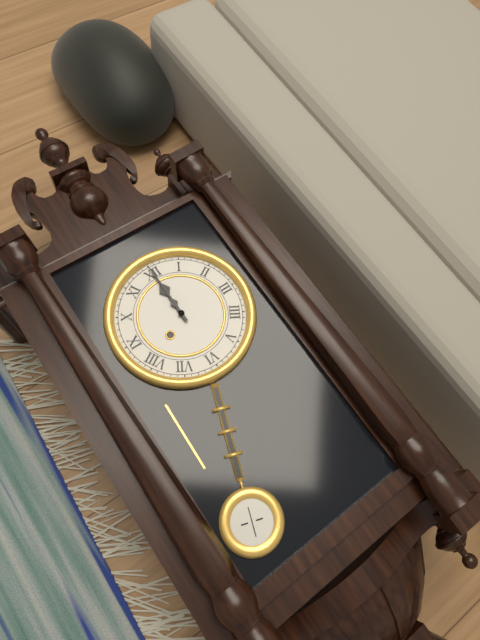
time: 12:00
